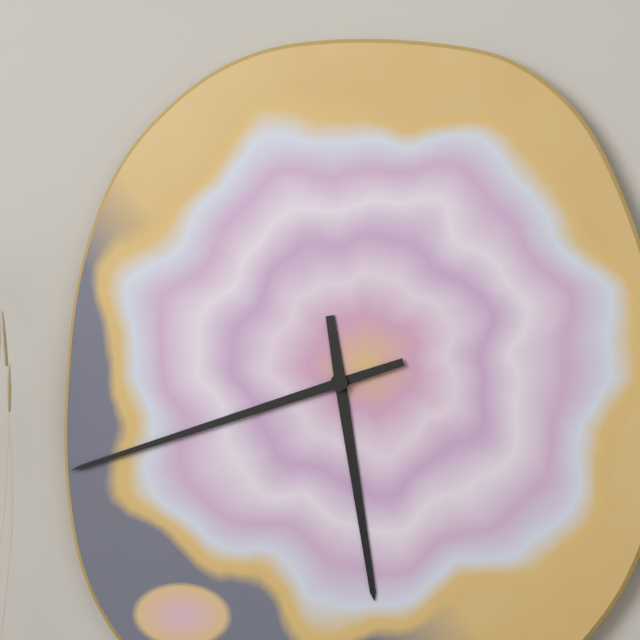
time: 5:42
